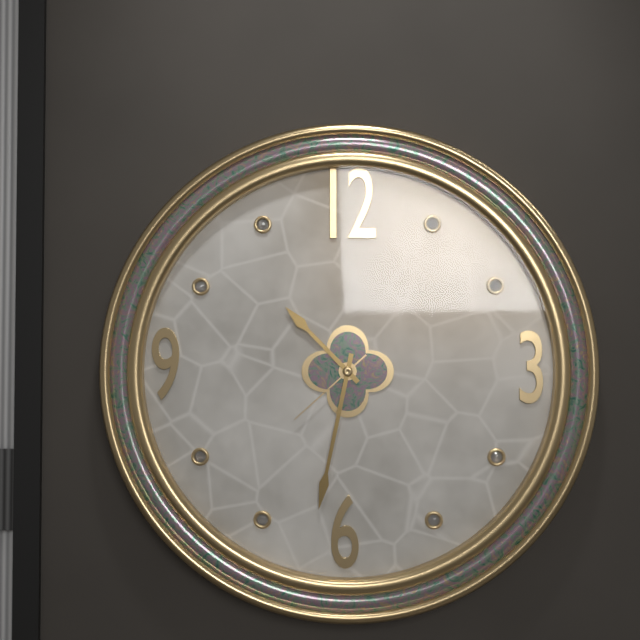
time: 10:32:38
